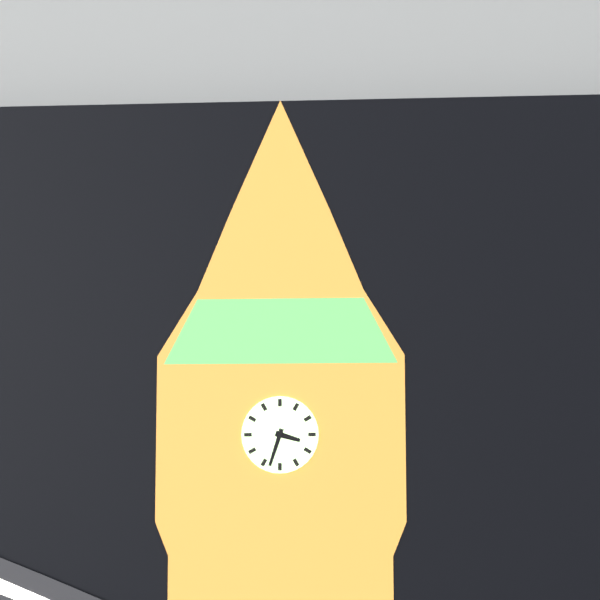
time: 3:33
